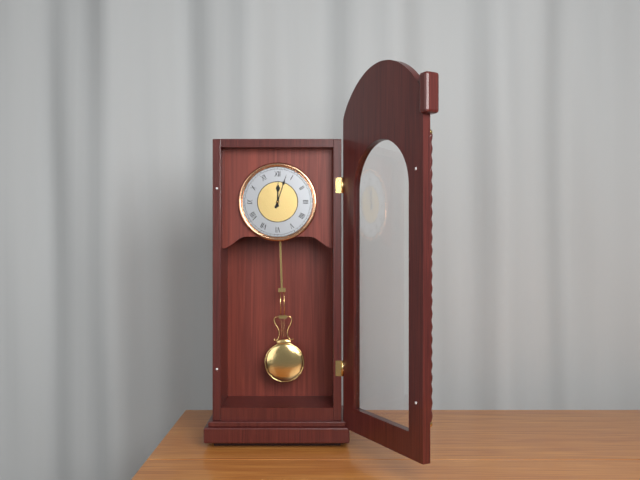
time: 12:03
